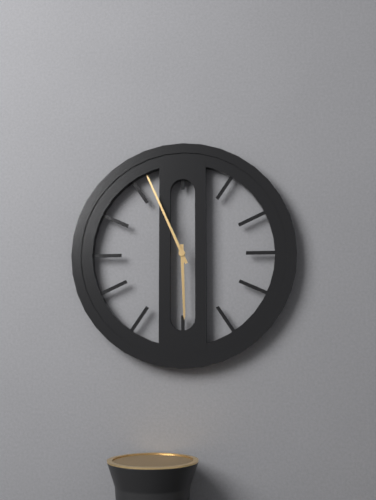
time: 5:56
